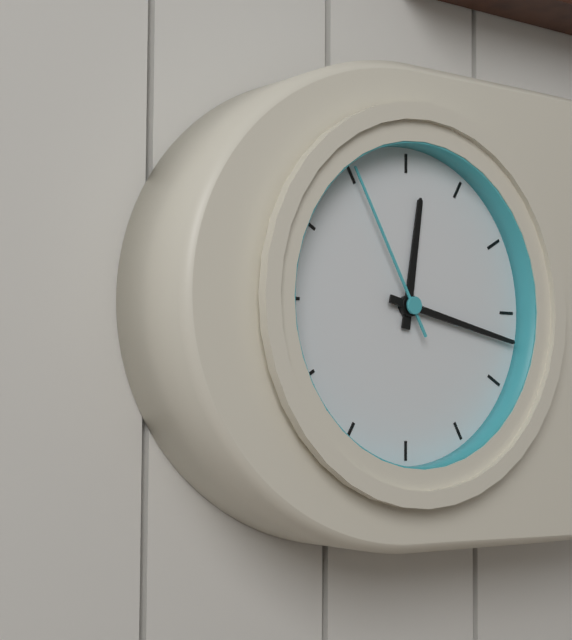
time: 12:17:55
